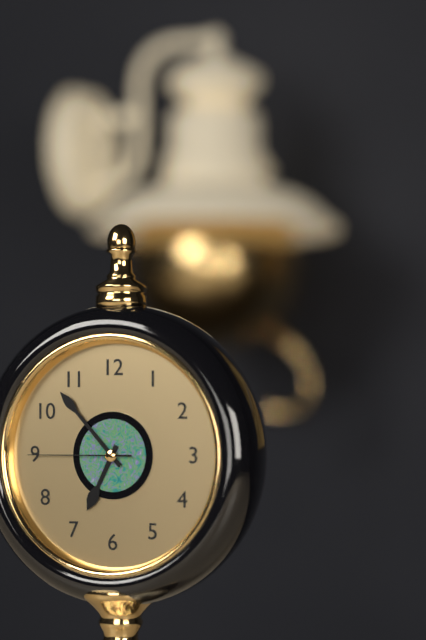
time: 6:53:45
